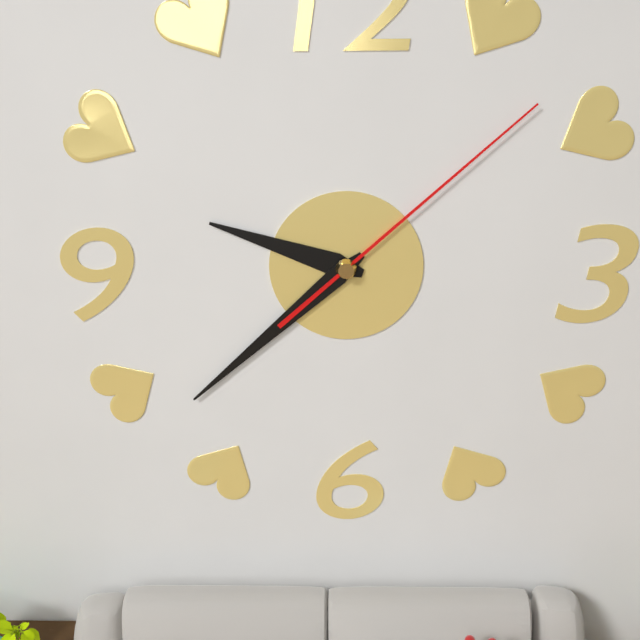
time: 9:38:08
